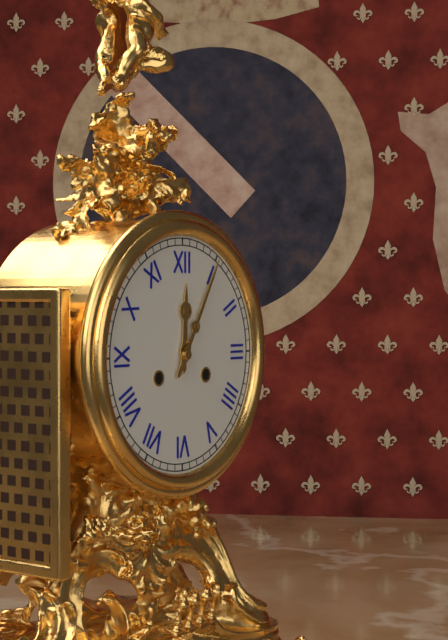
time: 12:05
